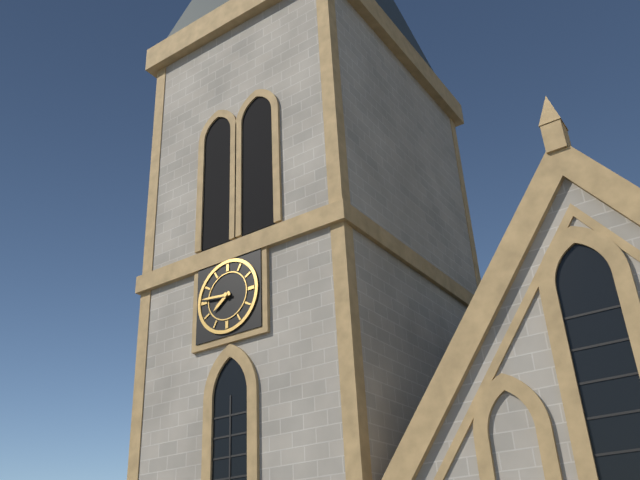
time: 7:46
